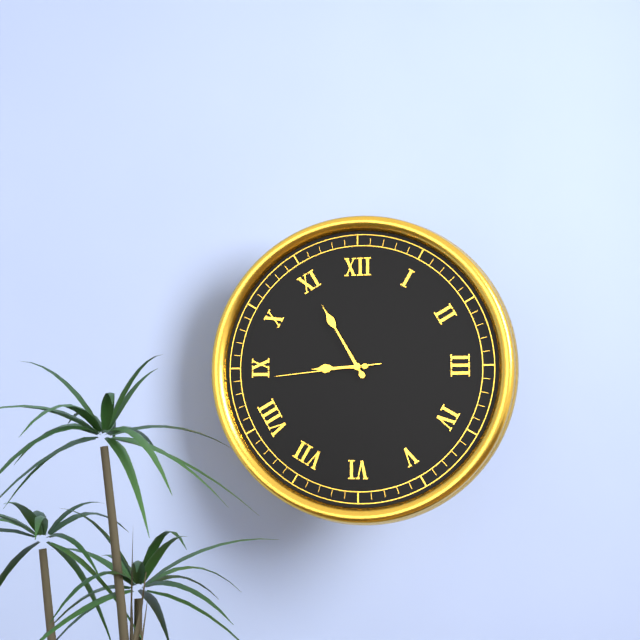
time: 8:55:44
